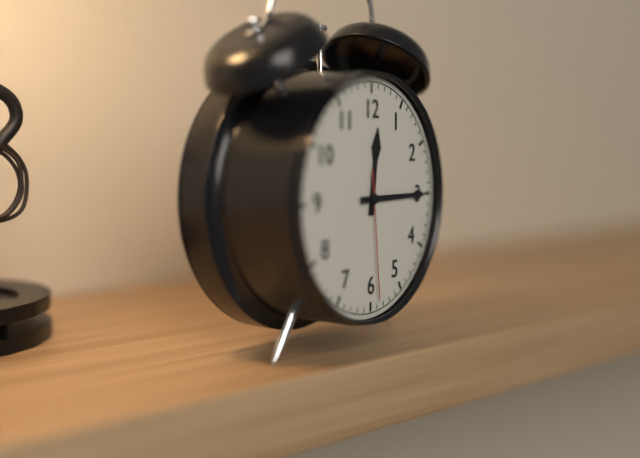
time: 12:15:29
